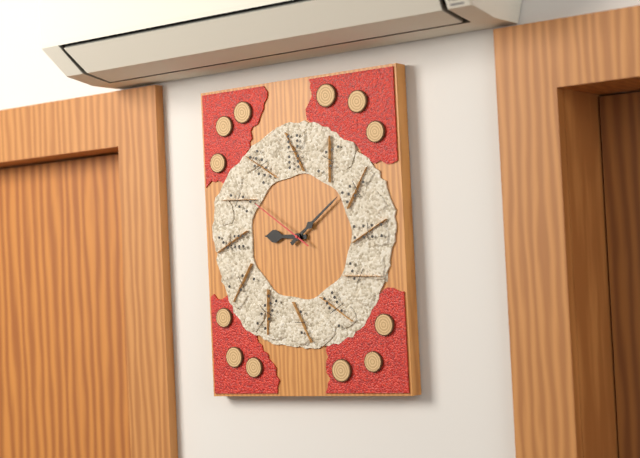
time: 9:09:51
